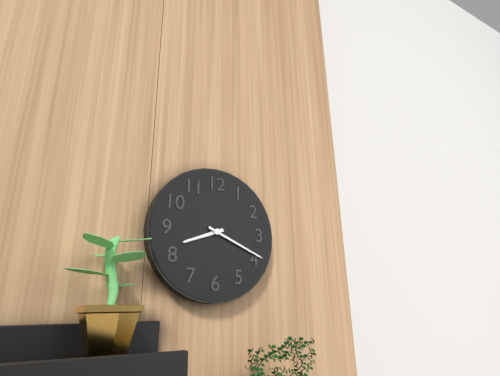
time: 8:19
